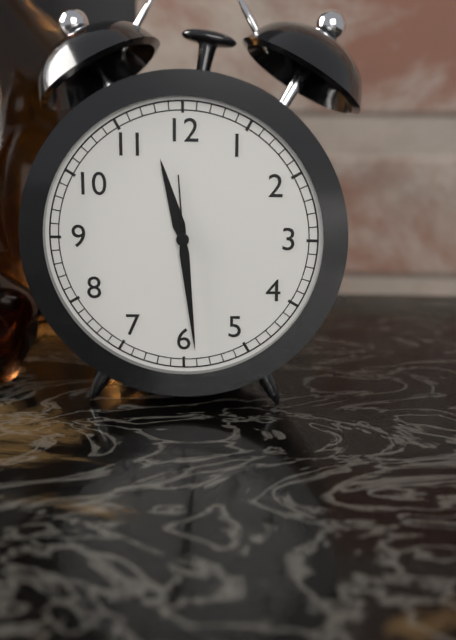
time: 11:29
